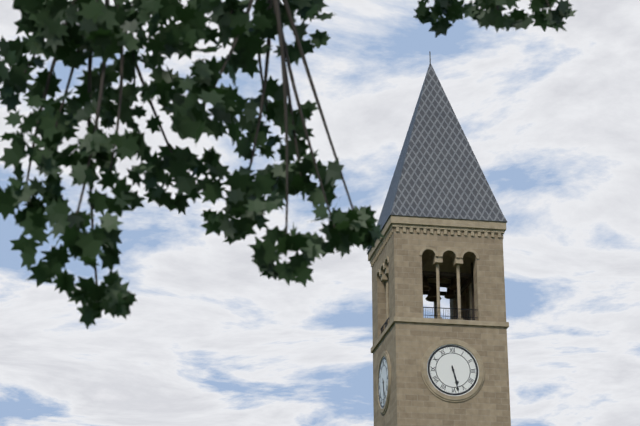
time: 5:28
